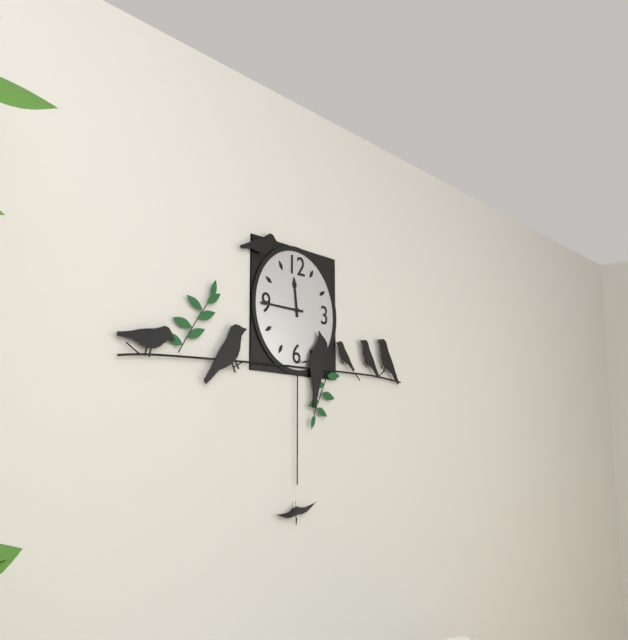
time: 11:45
